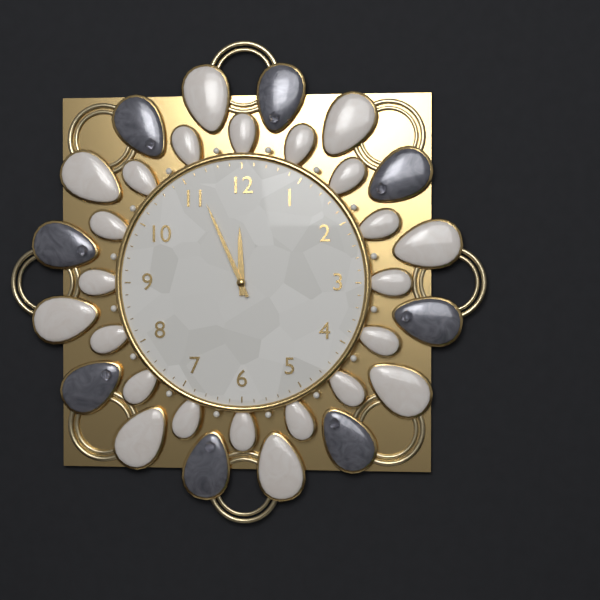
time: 11:56
